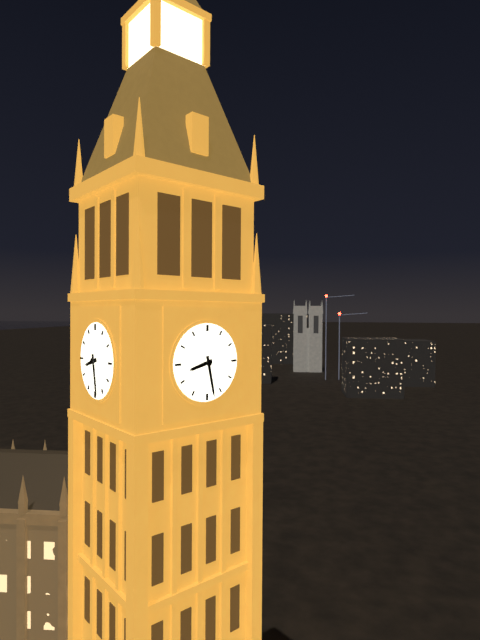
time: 8:28
